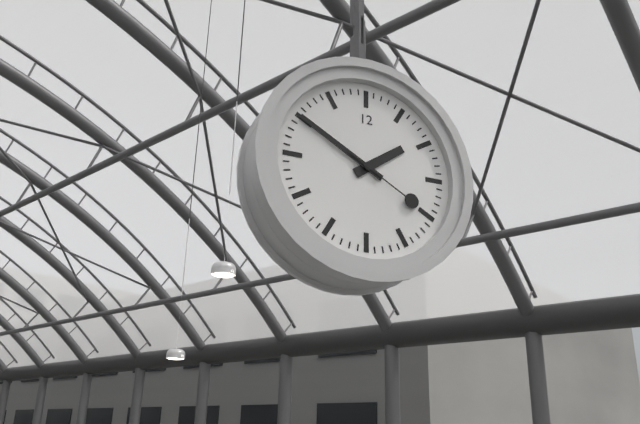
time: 1:50:20
